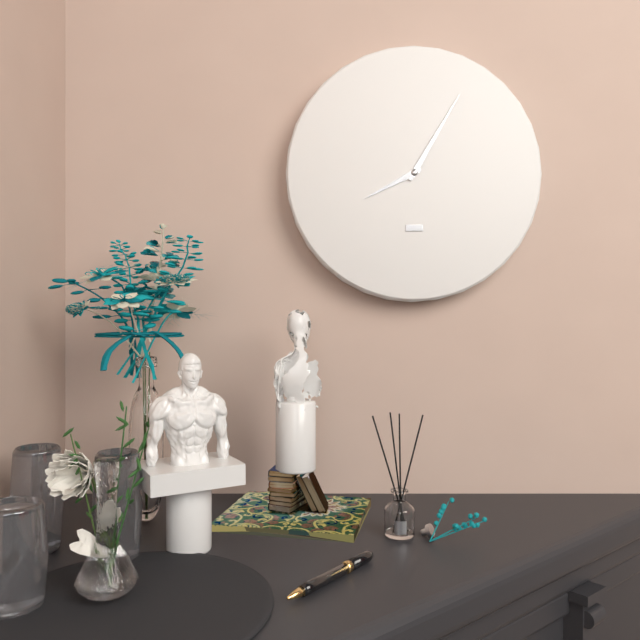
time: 8:05
